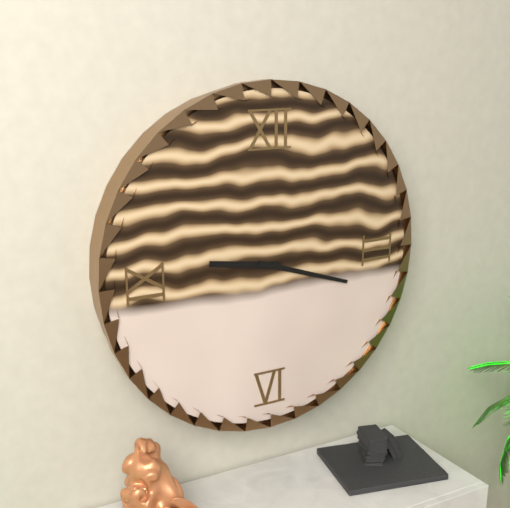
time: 9:18
